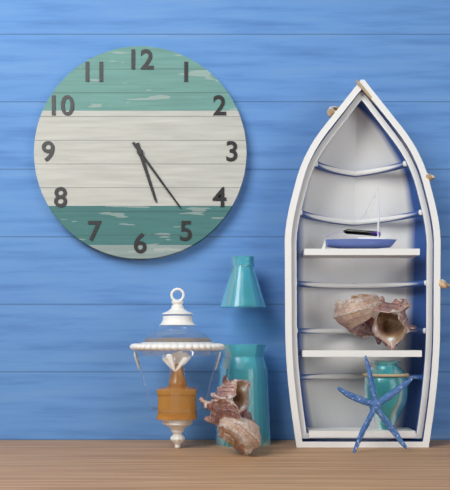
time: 5:24
